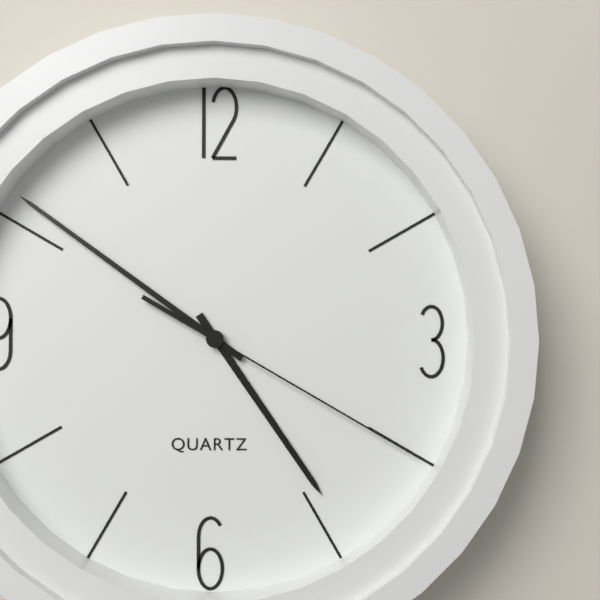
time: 4:51:20
